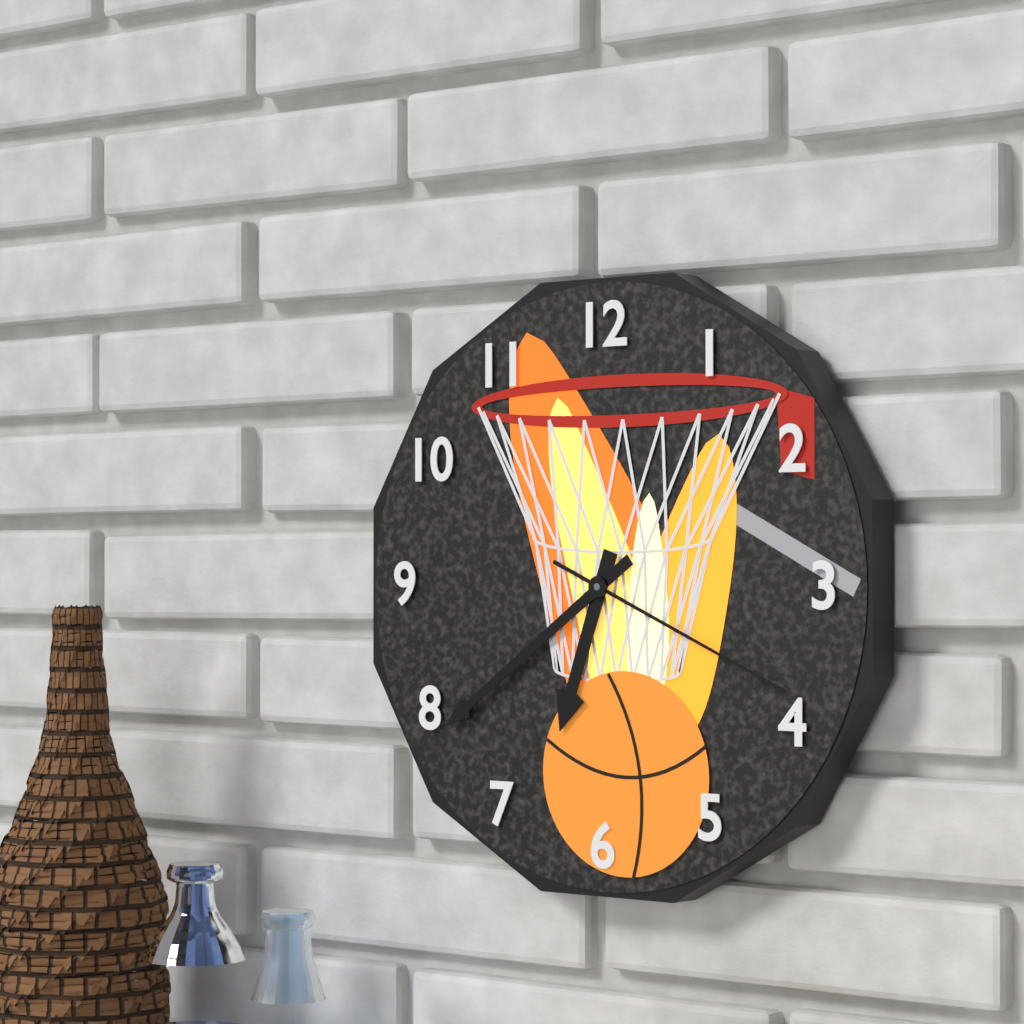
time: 6:39:19
